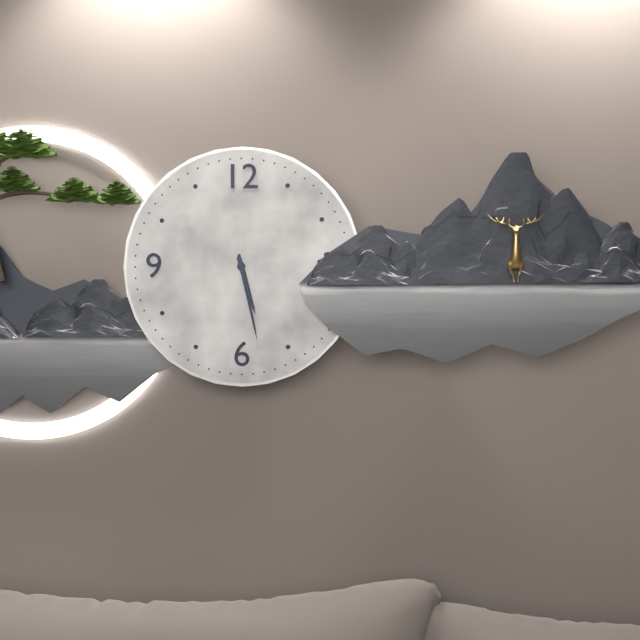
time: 5:28
